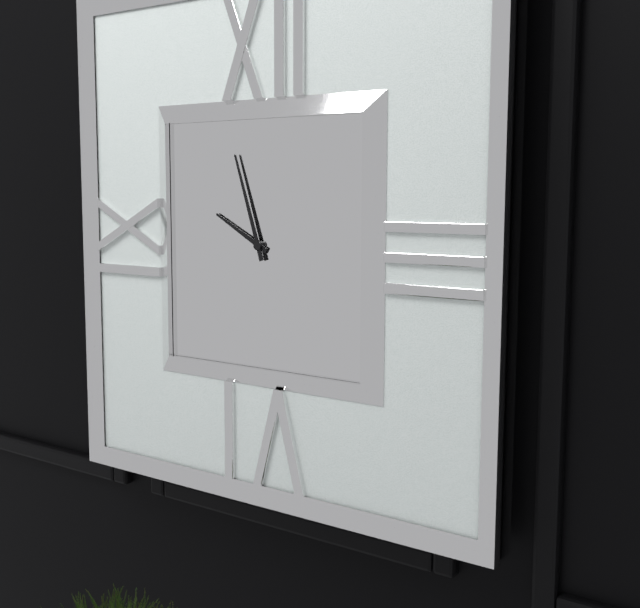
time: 9:57
